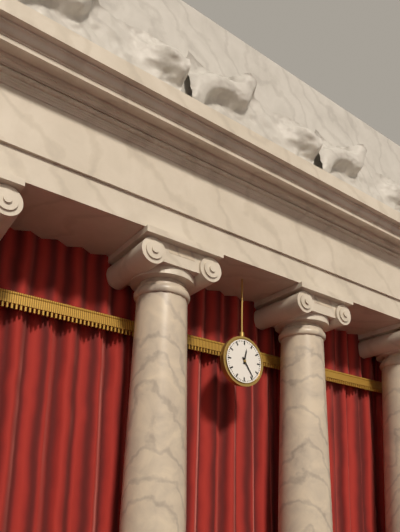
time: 12:24
